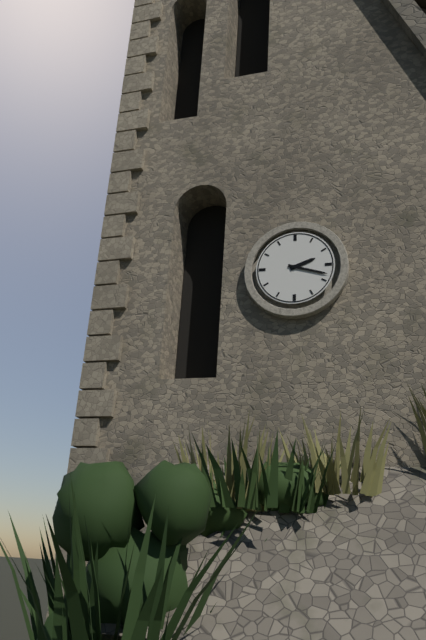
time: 2:18
